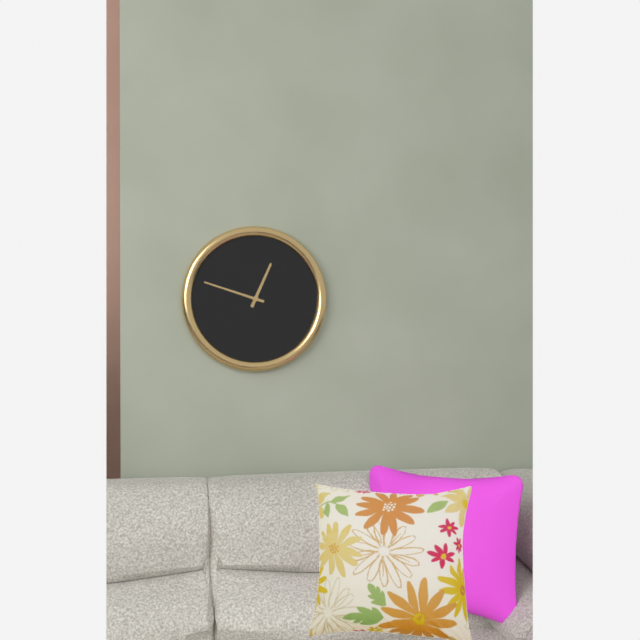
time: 12:48
